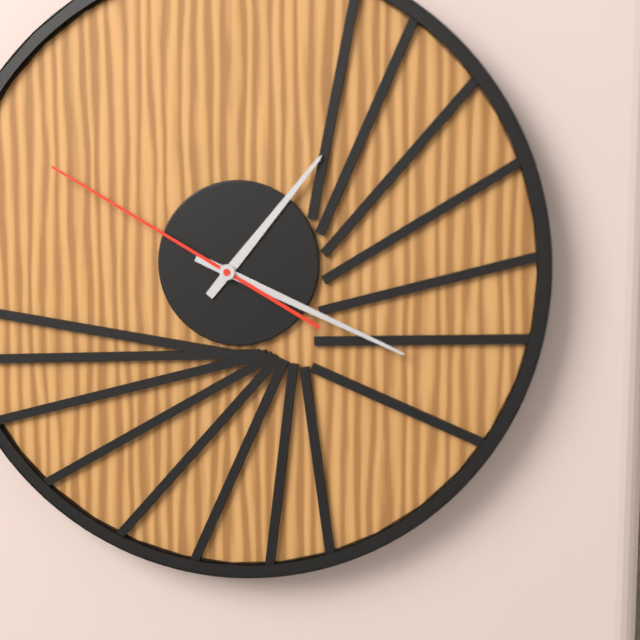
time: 1:19:50
